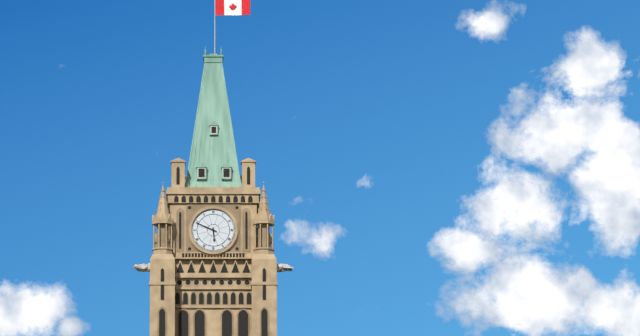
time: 5:49
